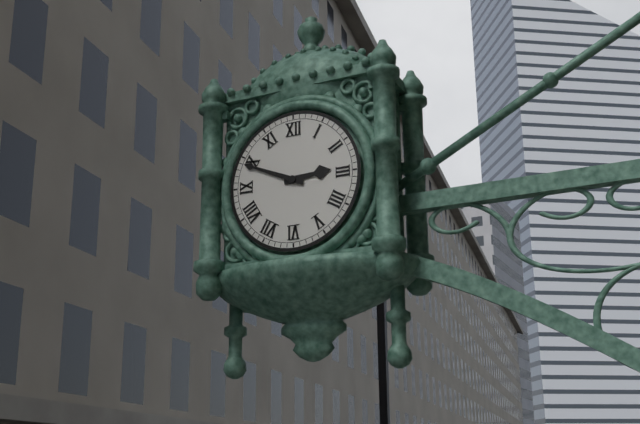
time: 2:49
